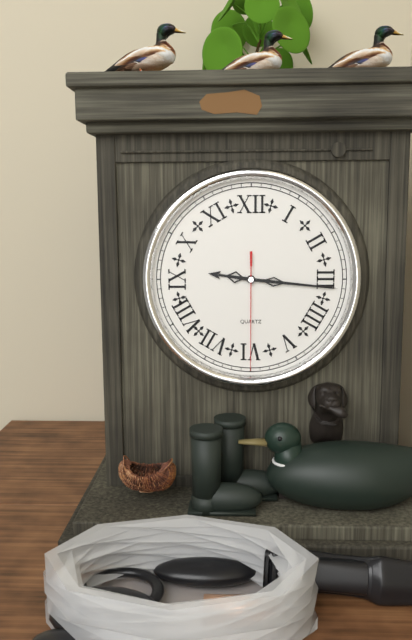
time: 9:16:30
